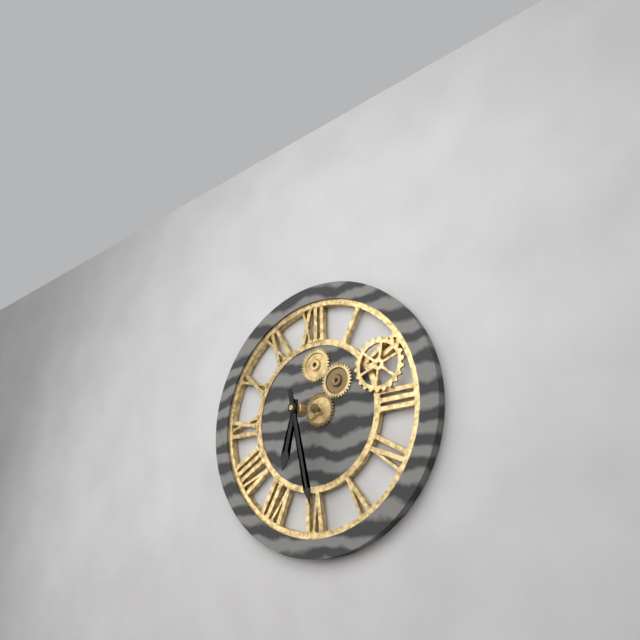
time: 6:28
